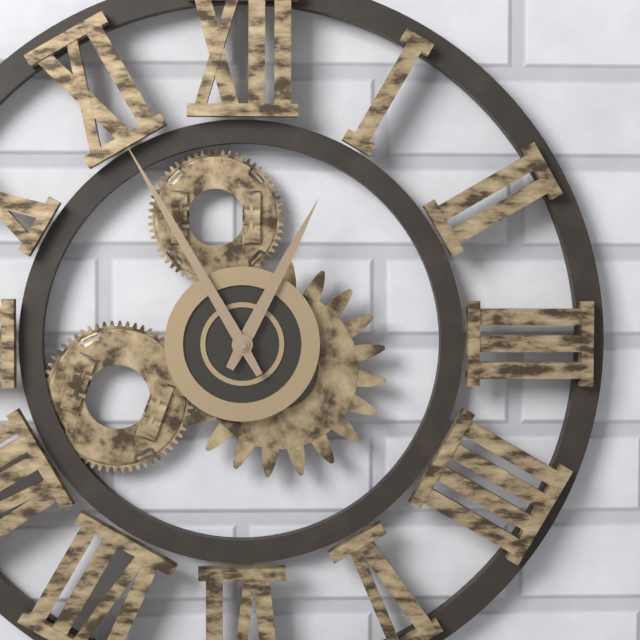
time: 12:55
